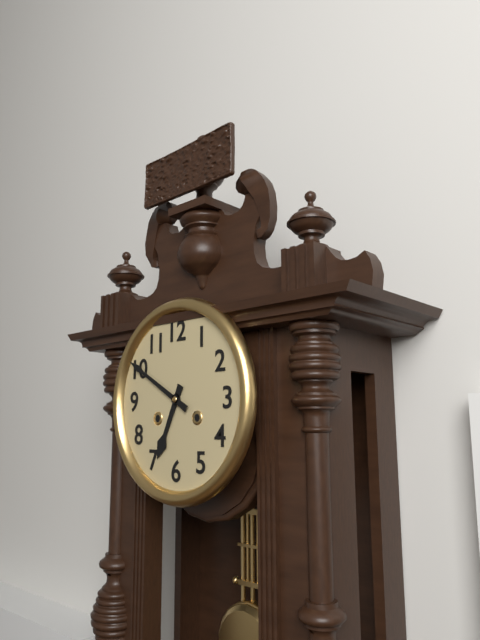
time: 6:50
